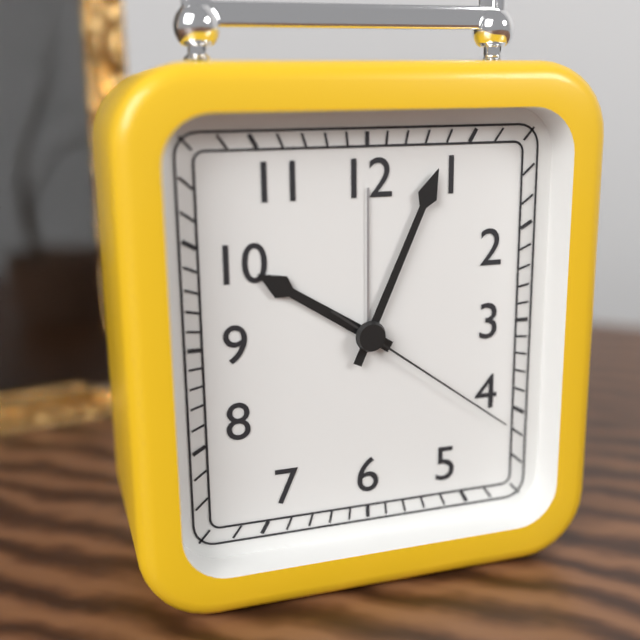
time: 10:04:21
